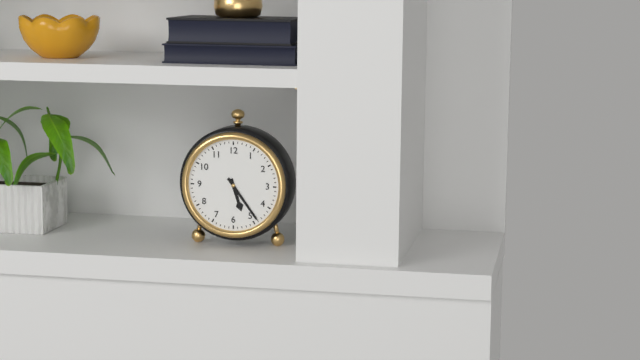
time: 5:24
